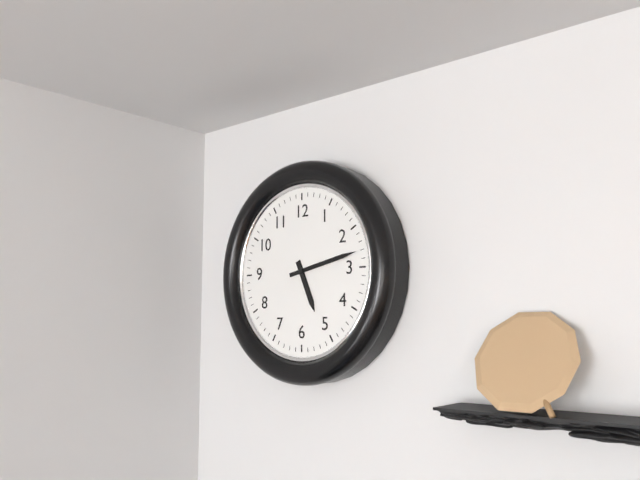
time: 5:13
